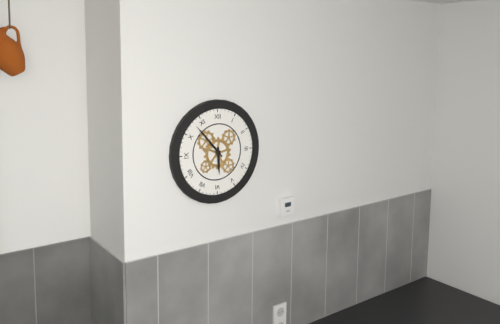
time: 5:53
